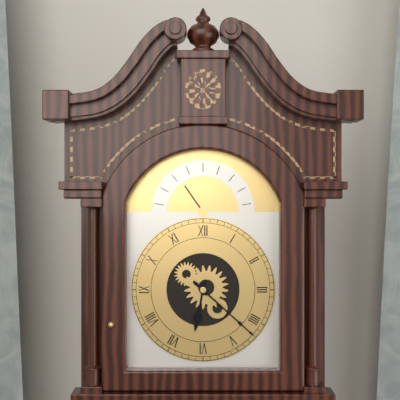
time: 6:22
